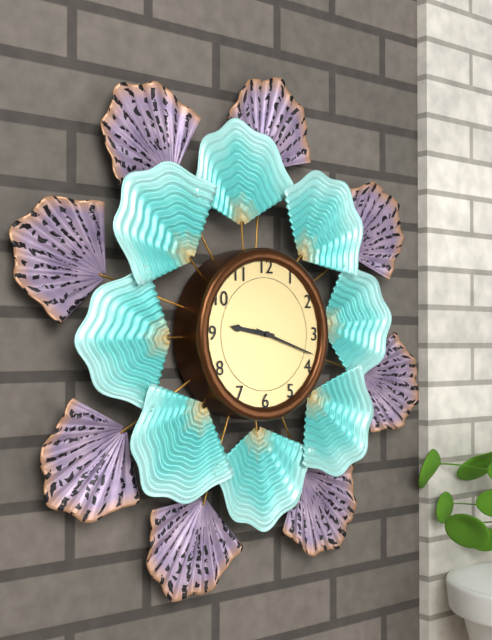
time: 9:18
